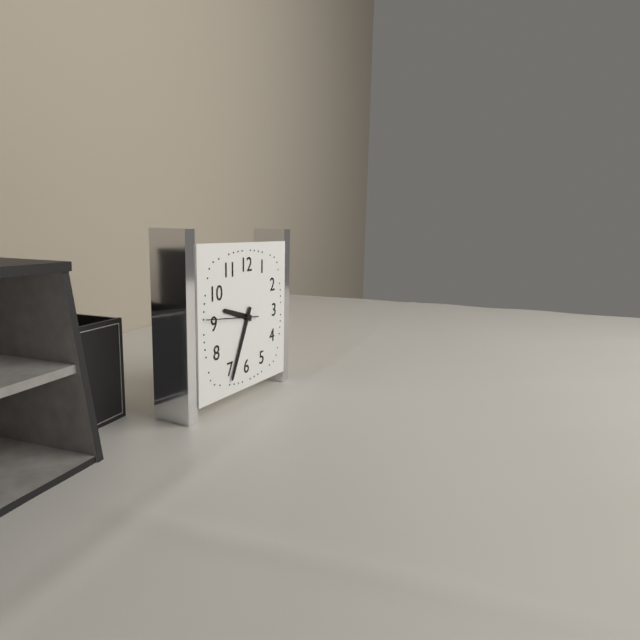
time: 9:34
